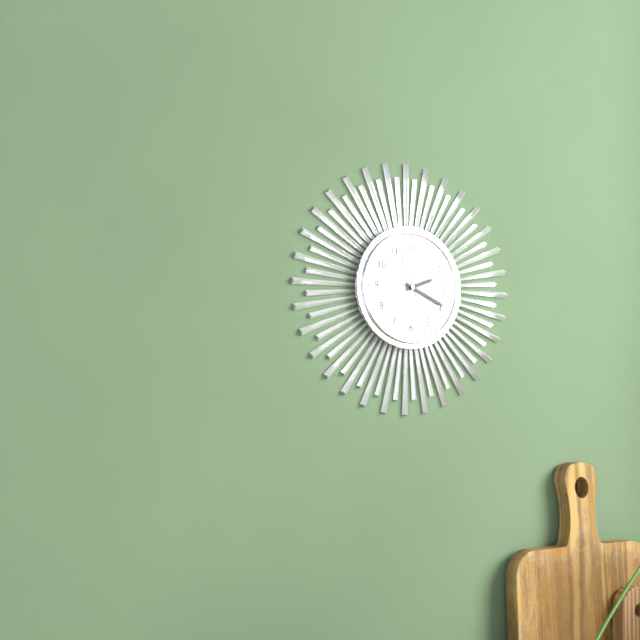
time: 2:19:56
